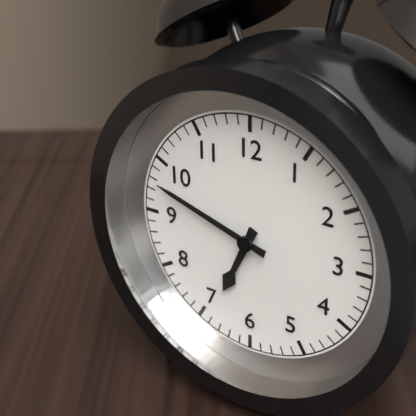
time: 6:48
